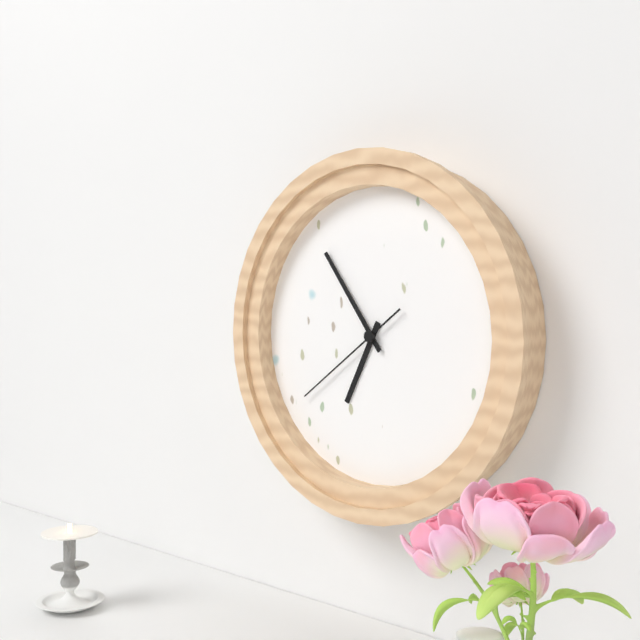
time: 6:54:39
